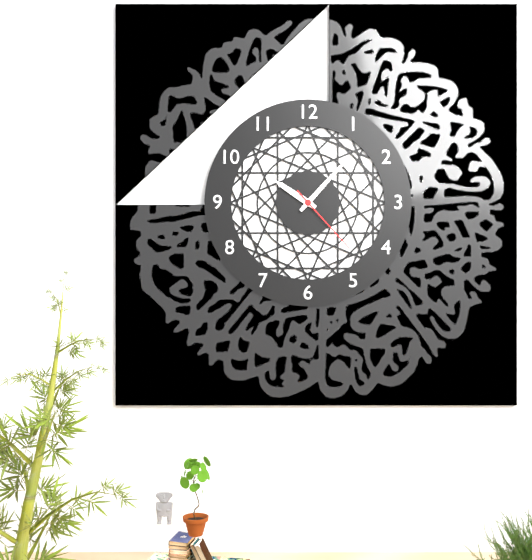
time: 10:07:23
